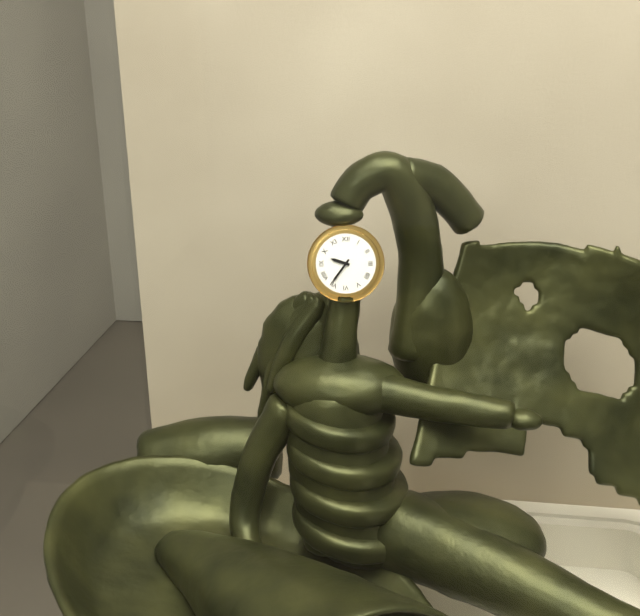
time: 9:36
